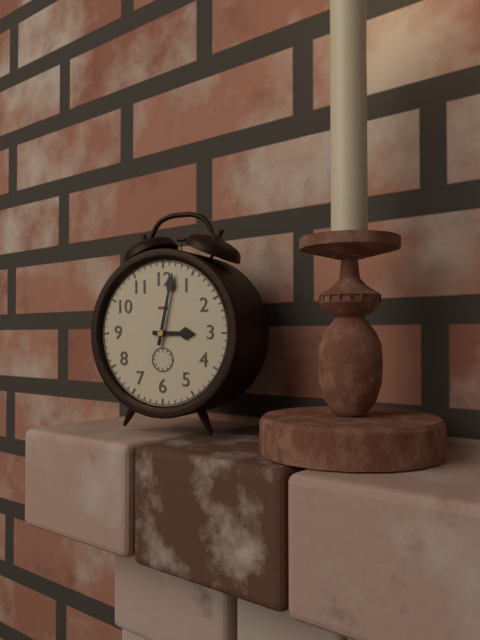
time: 3:02
